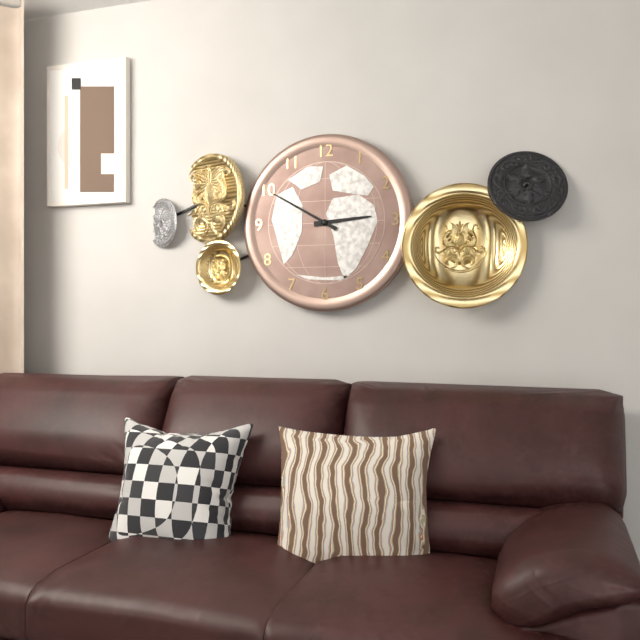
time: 2:50
